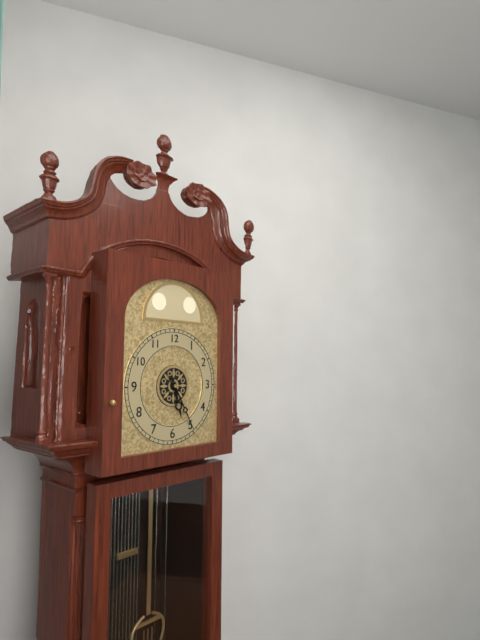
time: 5:25
